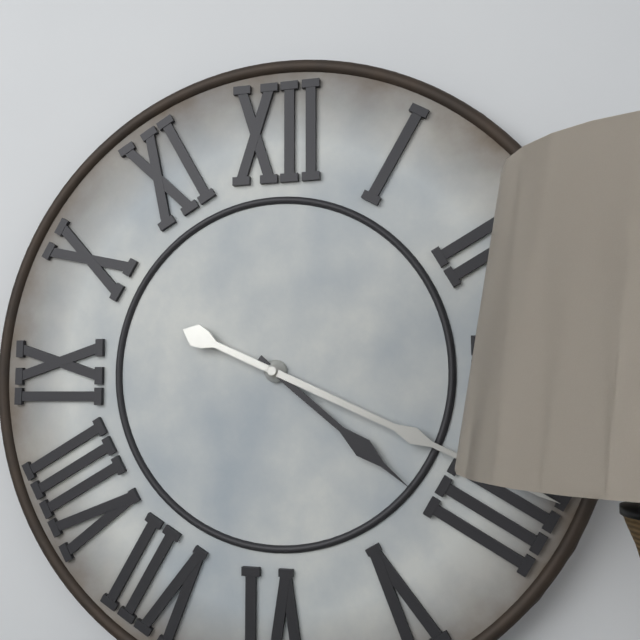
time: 4:19
